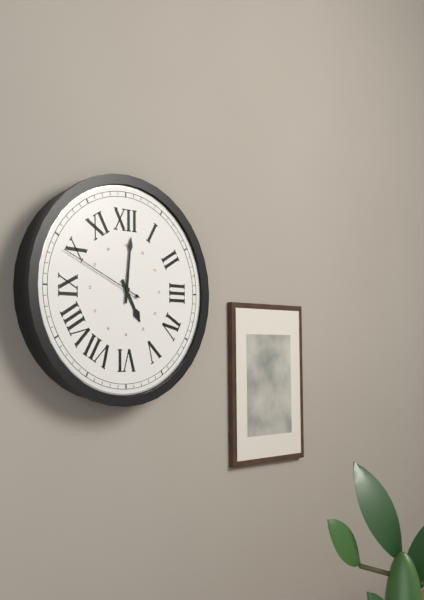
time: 5:01:49
